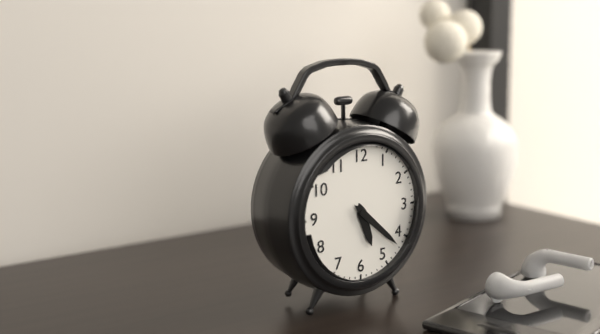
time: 5:22
